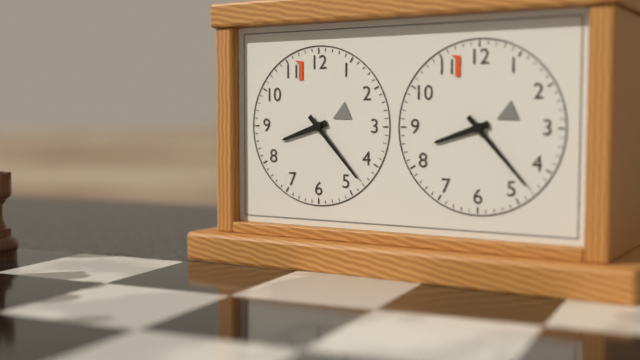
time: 8:23
